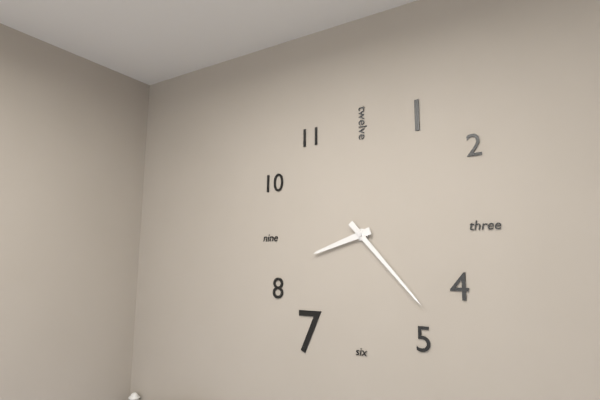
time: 8:23
